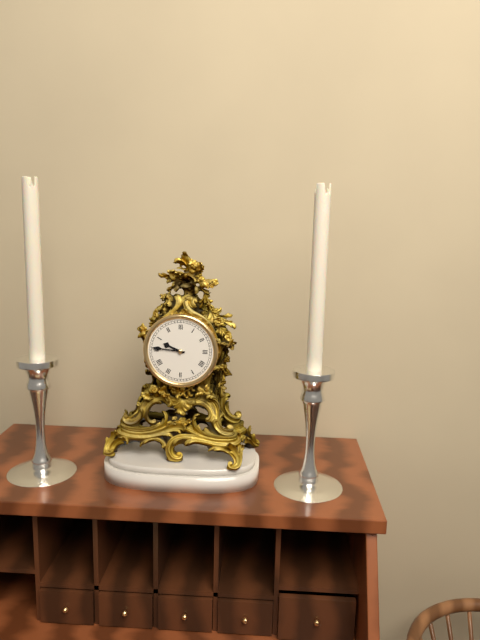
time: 9:46
